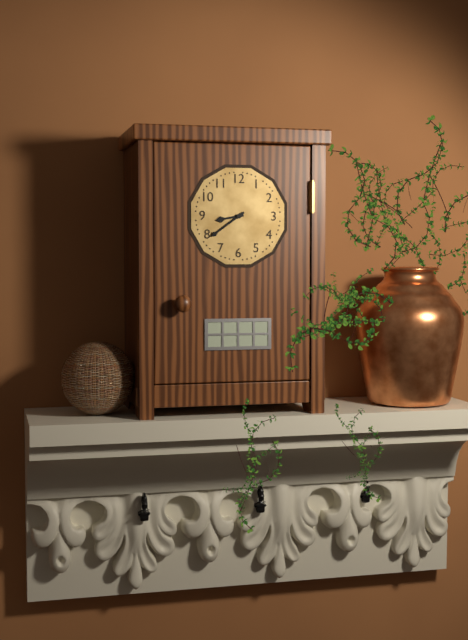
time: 8:39
